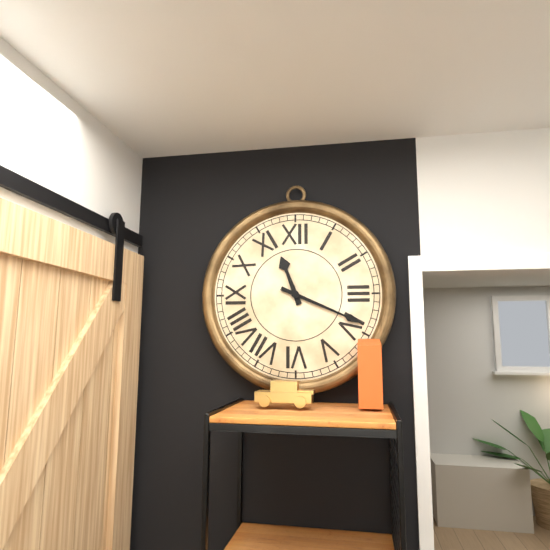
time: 11:19
